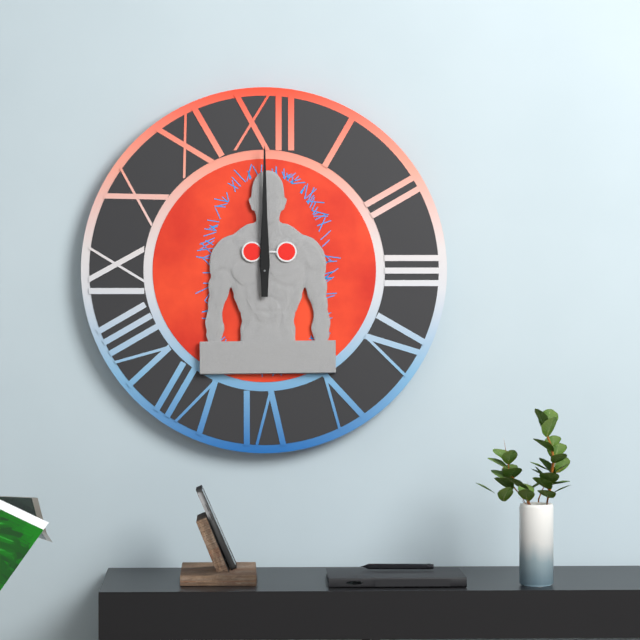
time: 12:00
